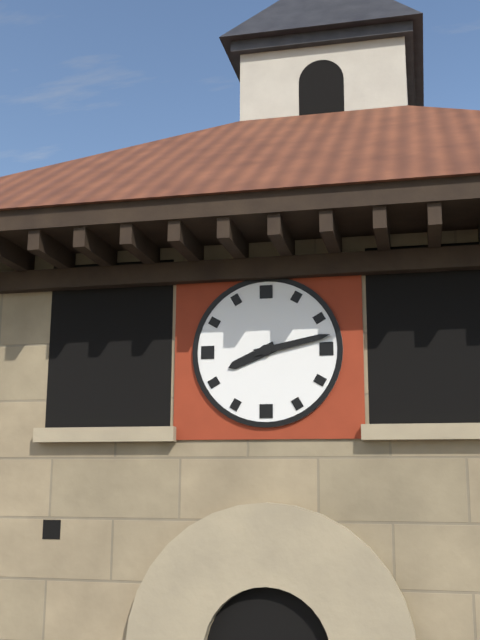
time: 8:13
